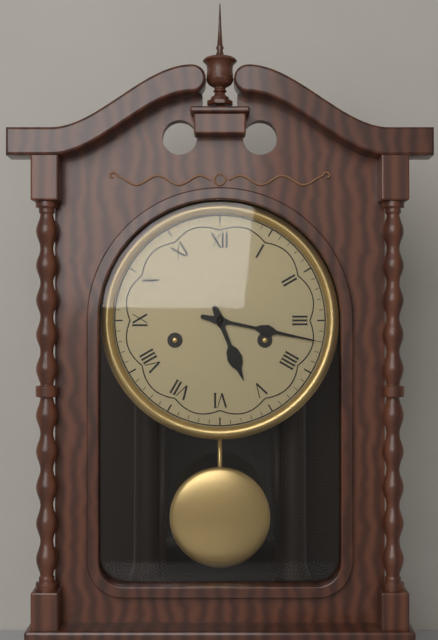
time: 5:17
